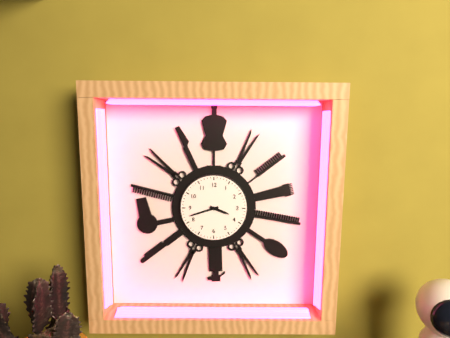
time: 3:42
